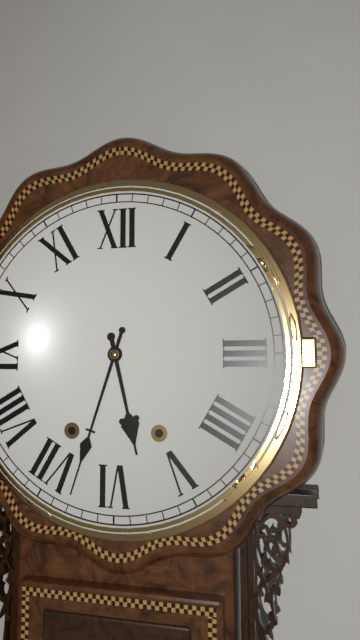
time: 5:33
